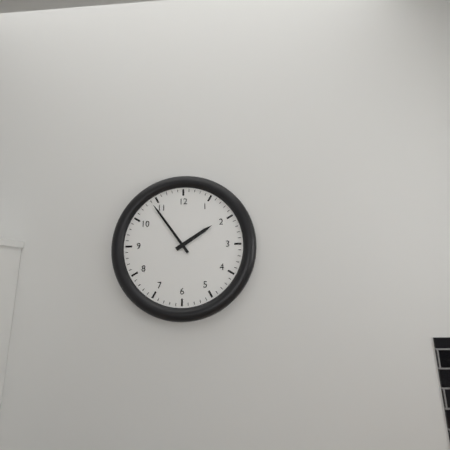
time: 1:54
